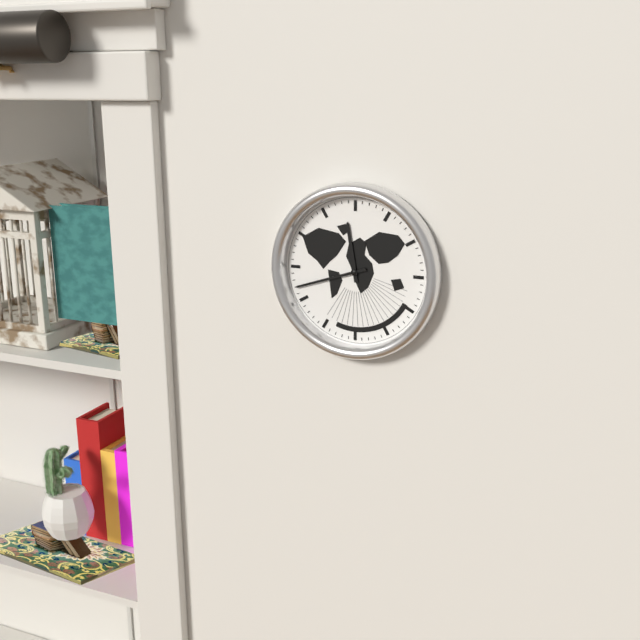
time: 11:42
